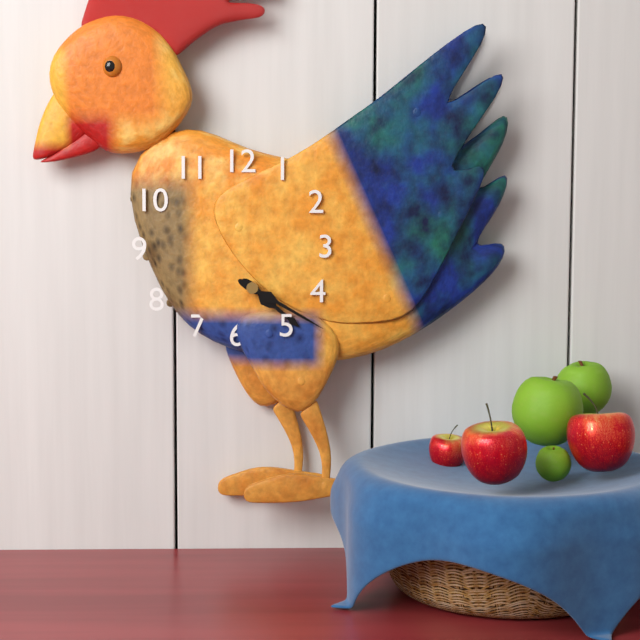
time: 4:20
